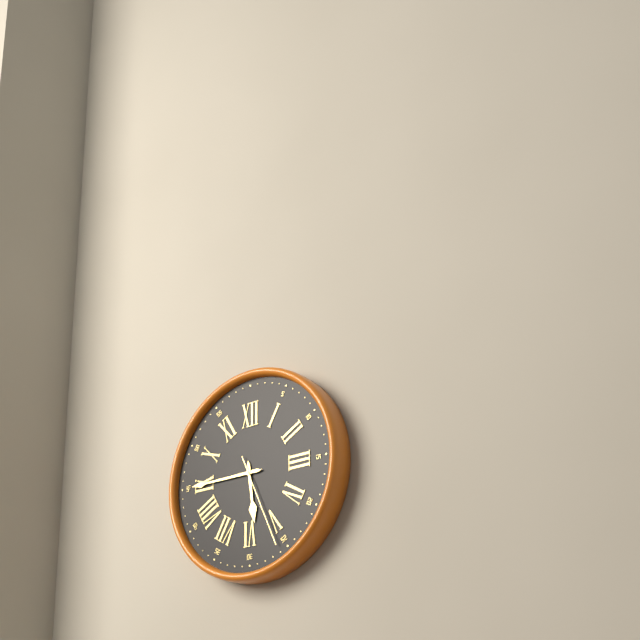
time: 5:45:26
